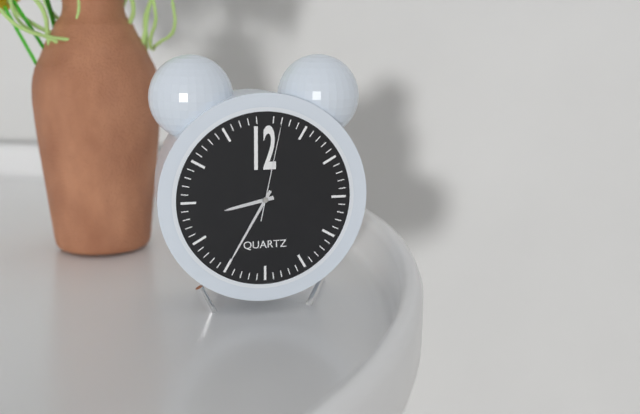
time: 8:35:02
